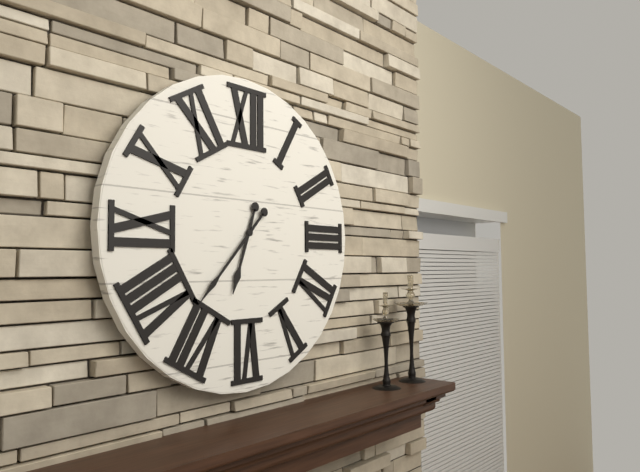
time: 6:37
